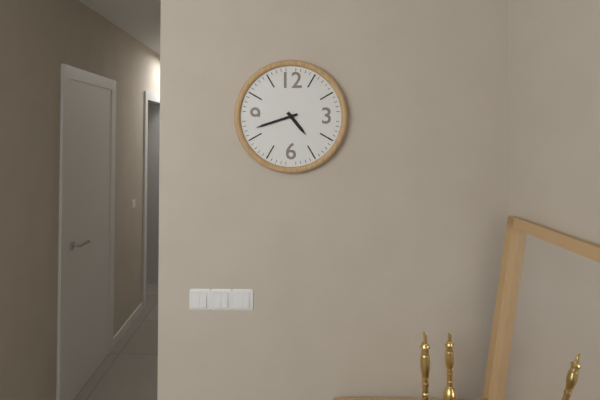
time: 4:42
